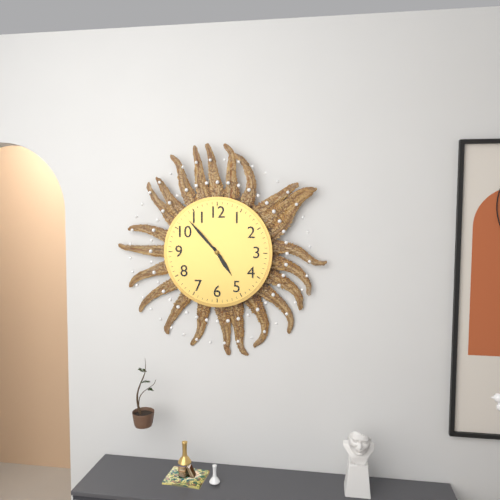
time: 4:53
